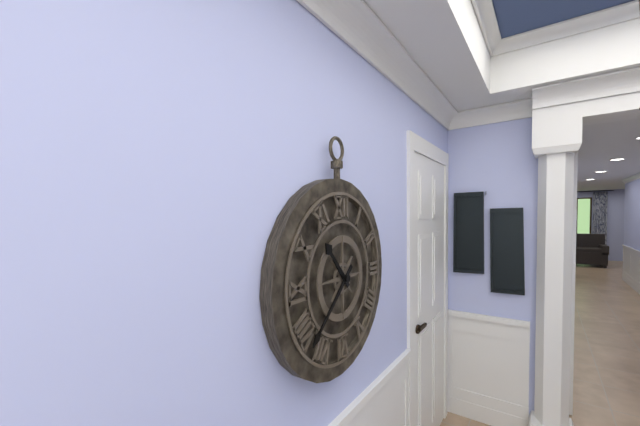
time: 10:38
